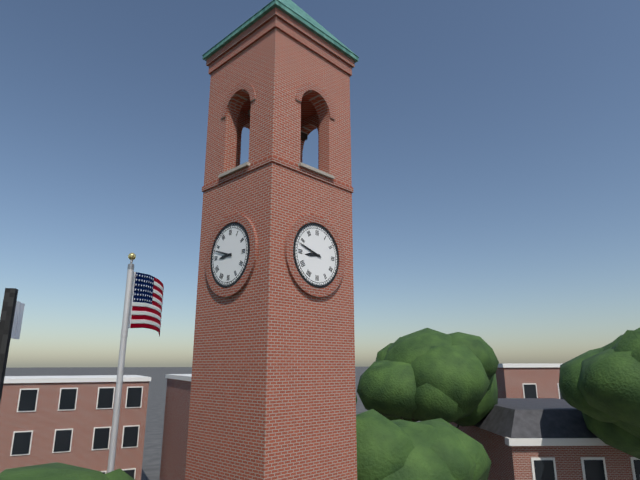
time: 8:48
